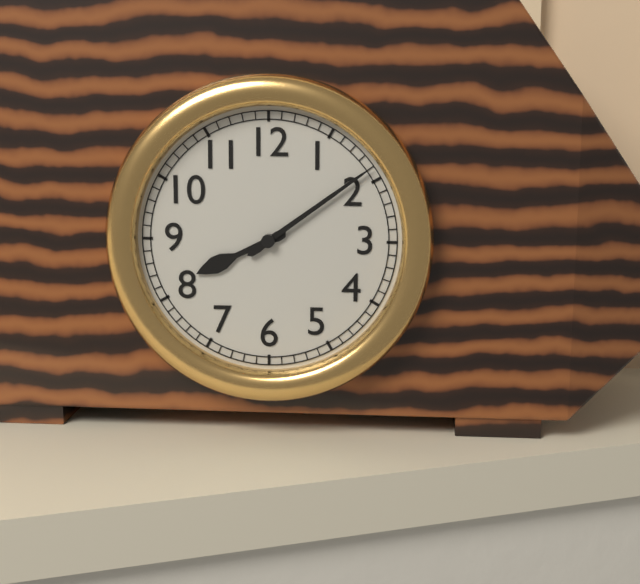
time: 8:09
